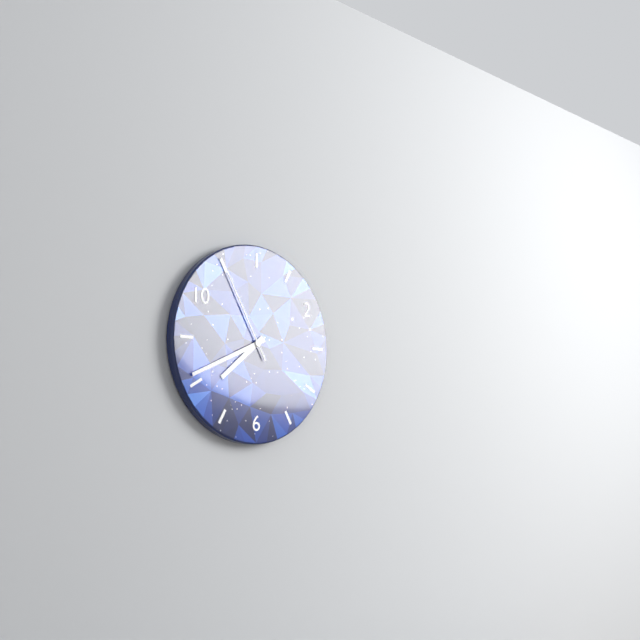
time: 7:41:55
